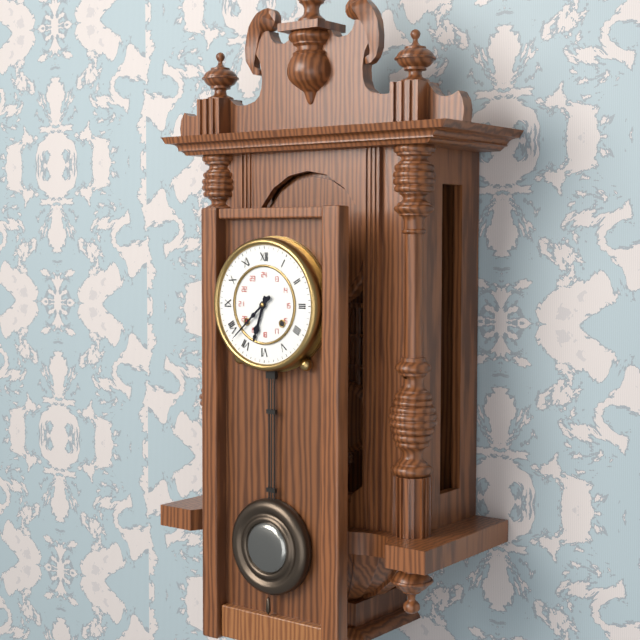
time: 6:38
